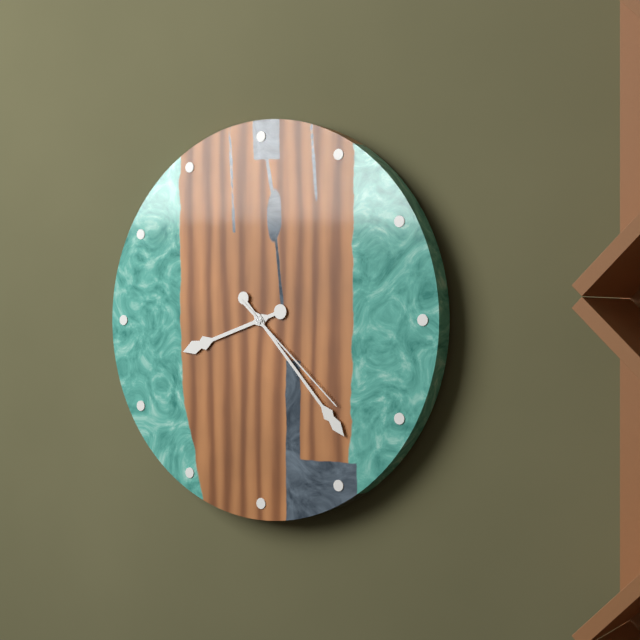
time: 8:23:22
